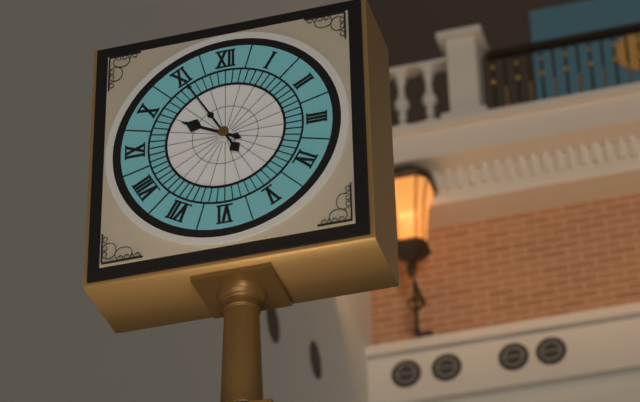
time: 9:55
